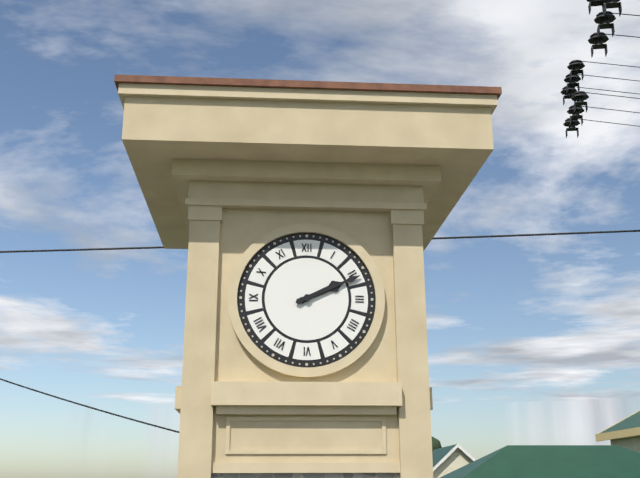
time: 2:11
